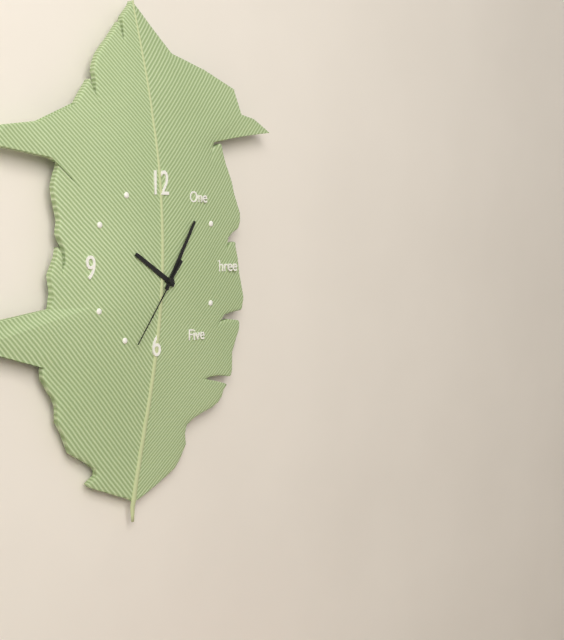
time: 10:05:36
